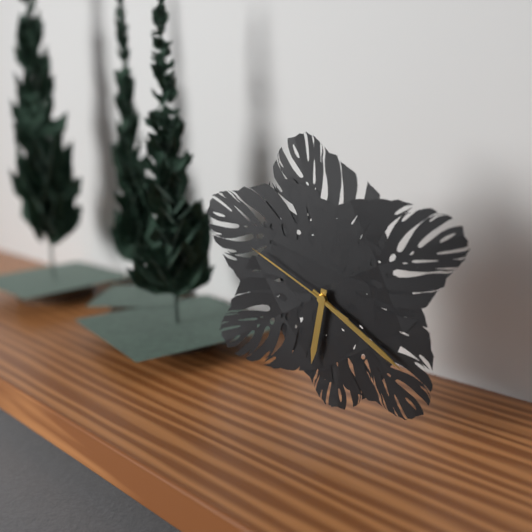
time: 6:21:50
